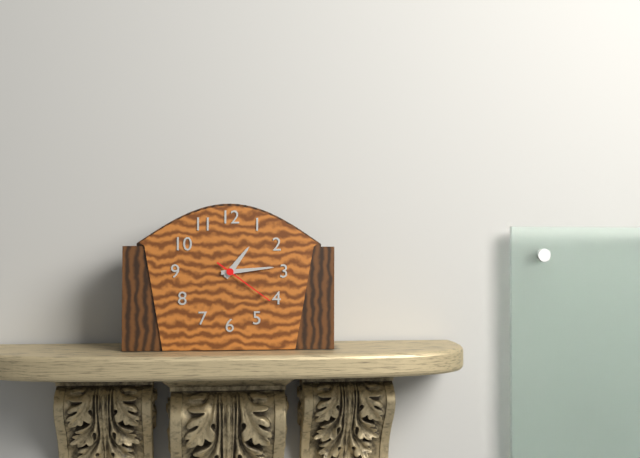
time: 1:14:21
